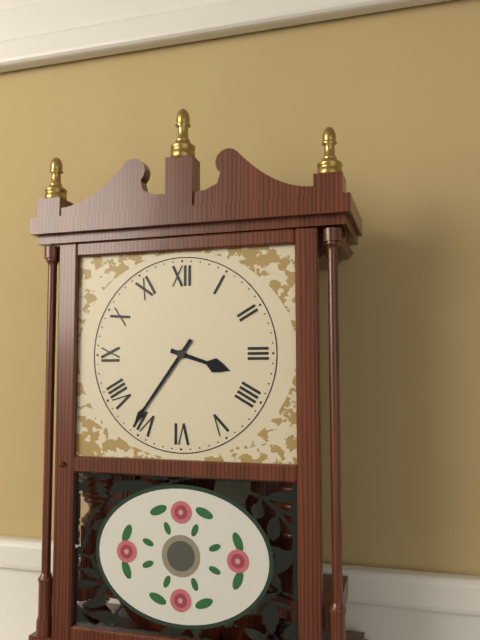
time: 3:36
